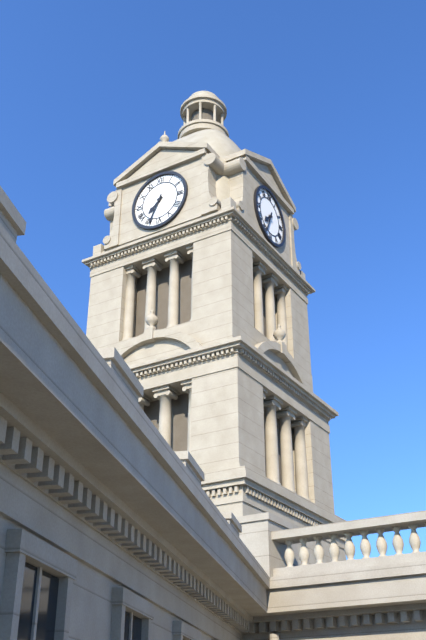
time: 7:34
